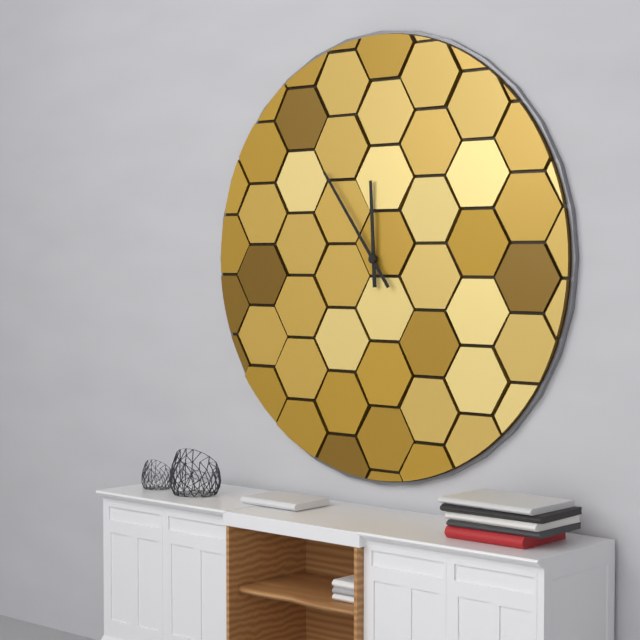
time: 11:54
